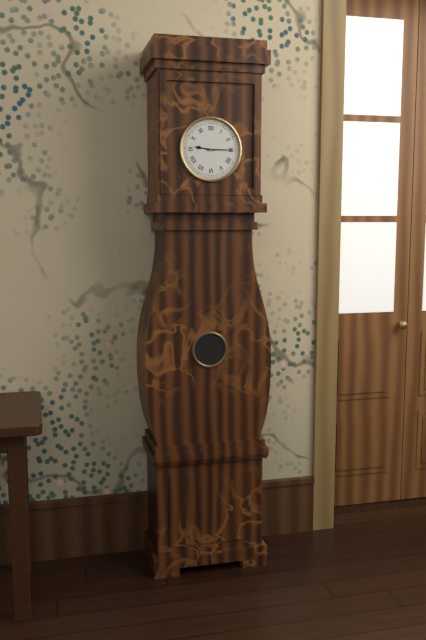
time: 9:15
